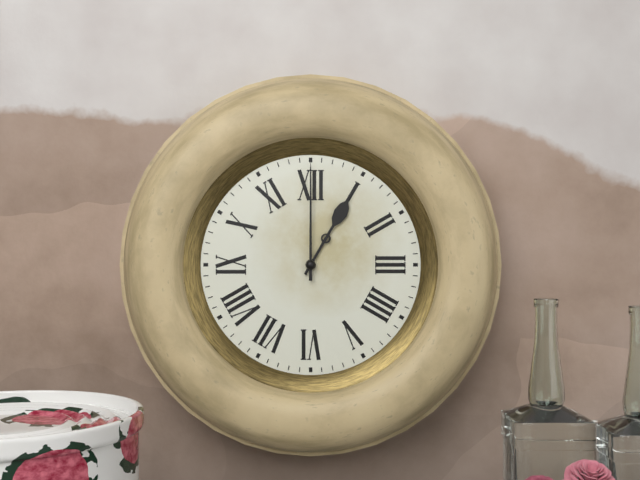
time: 1:00
